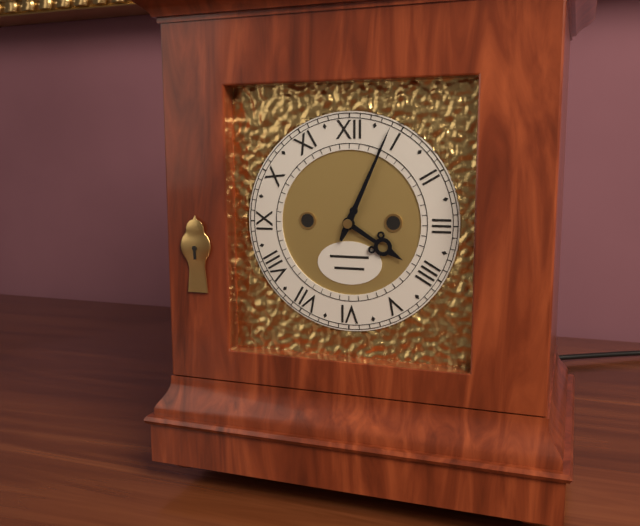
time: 4:04
